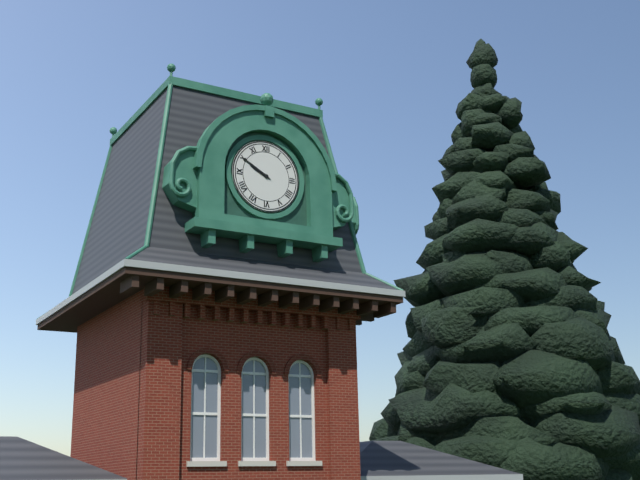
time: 9:50
